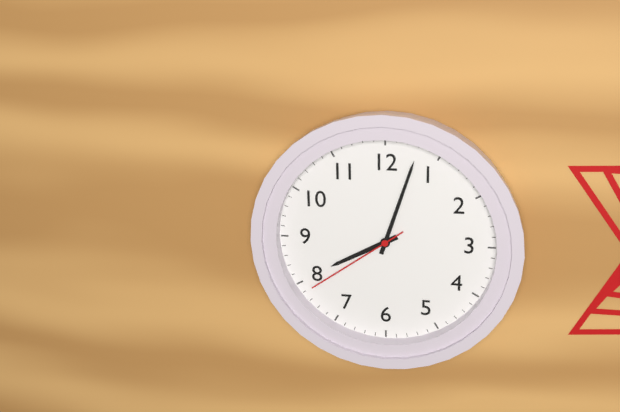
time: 8:03:39
